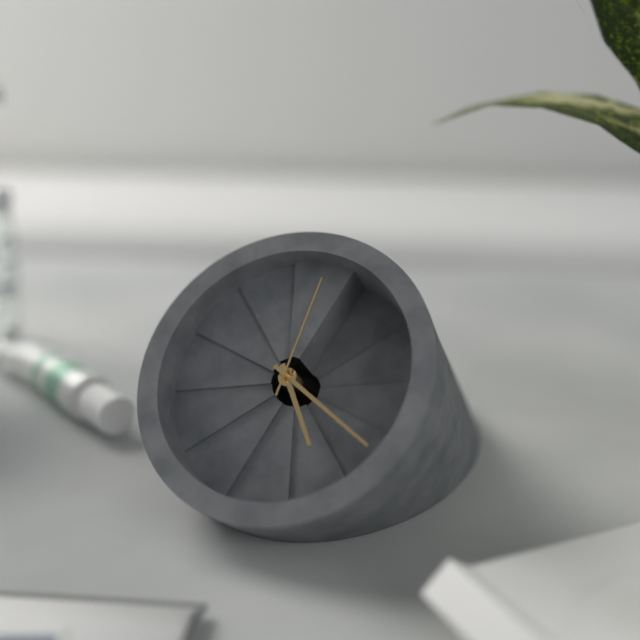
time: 4:17:58
